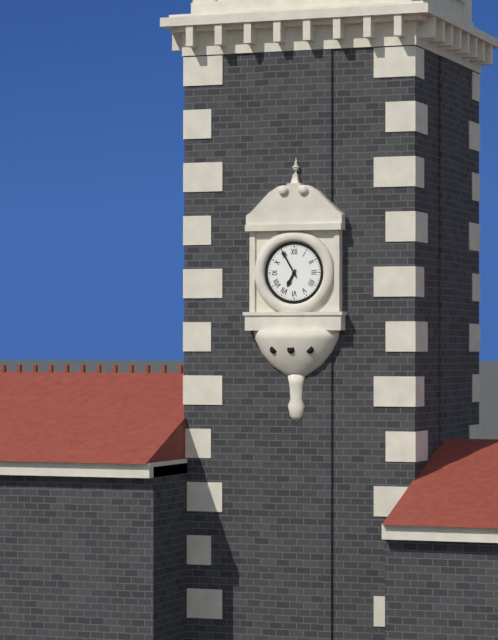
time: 6:55
